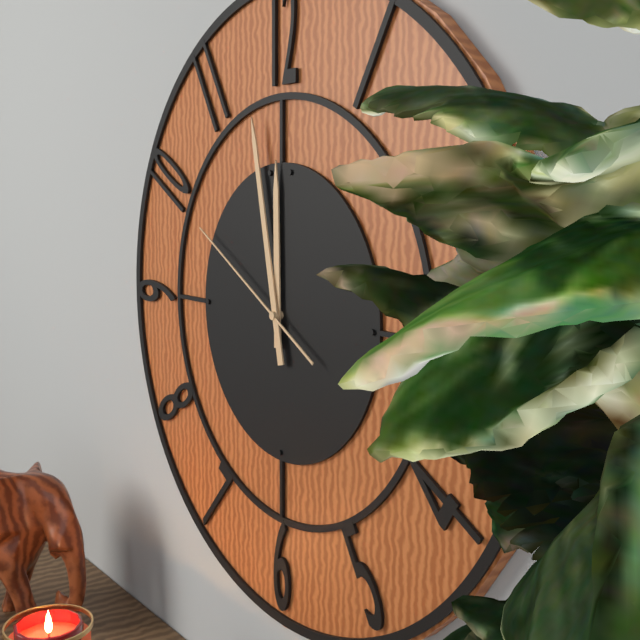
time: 11:58:50
